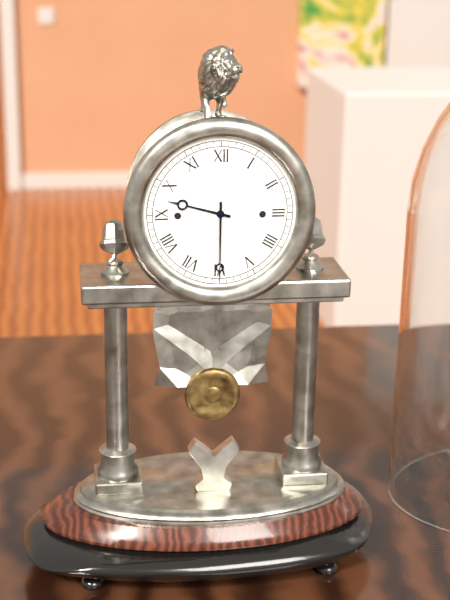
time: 9:30
